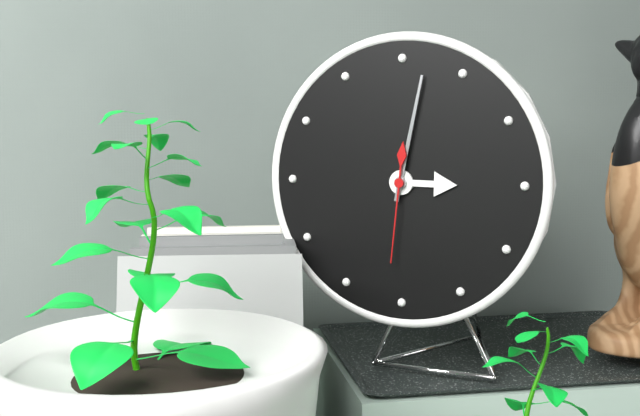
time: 3:02:31
